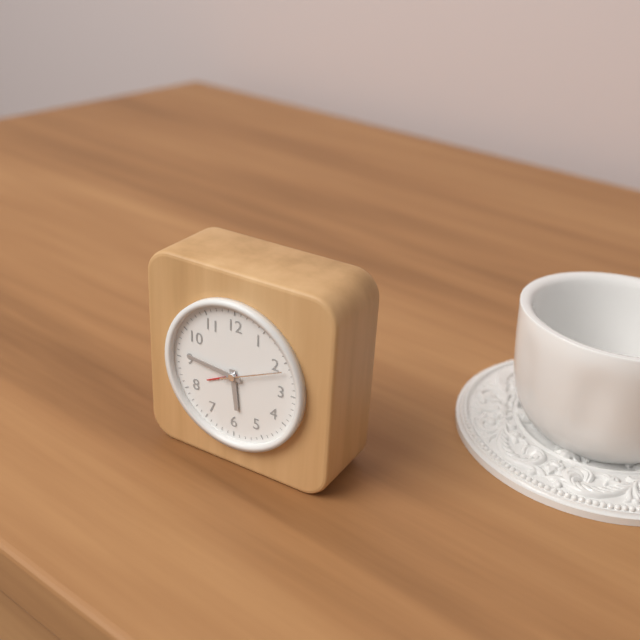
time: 5:46:11
